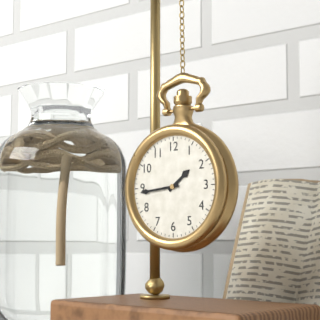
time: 1:44
